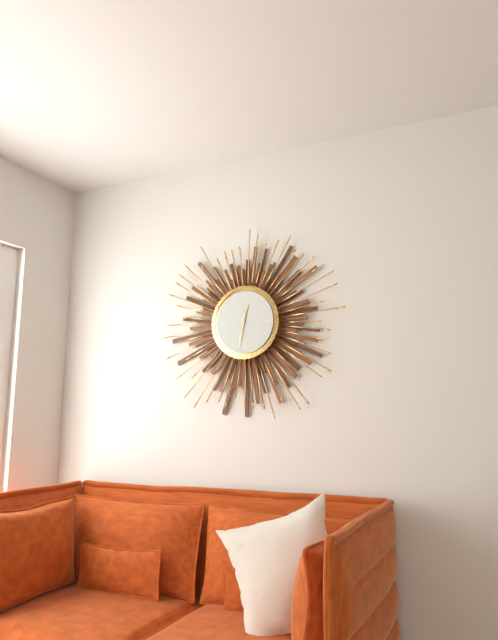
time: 12:32
